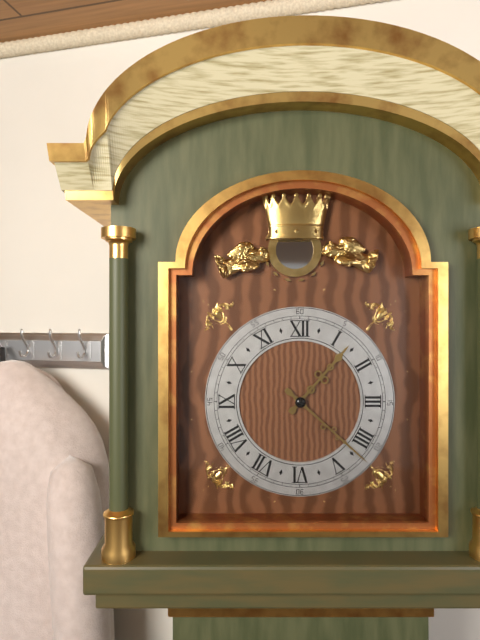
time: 1:22
